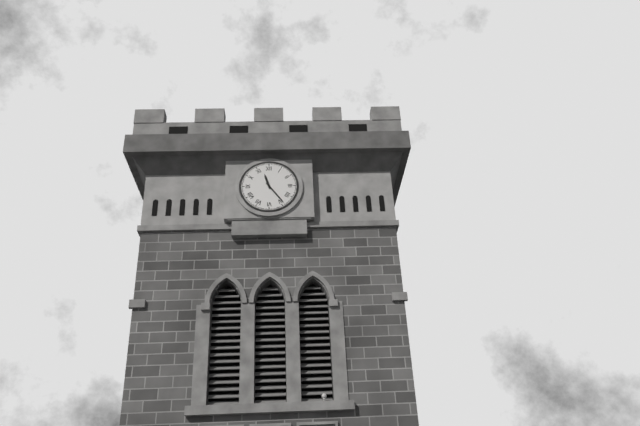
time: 11:24
